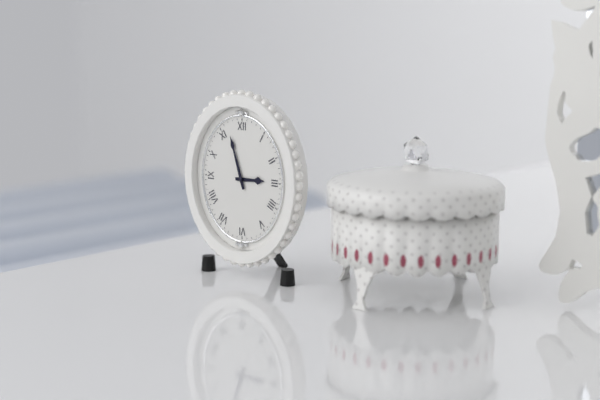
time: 2:57
